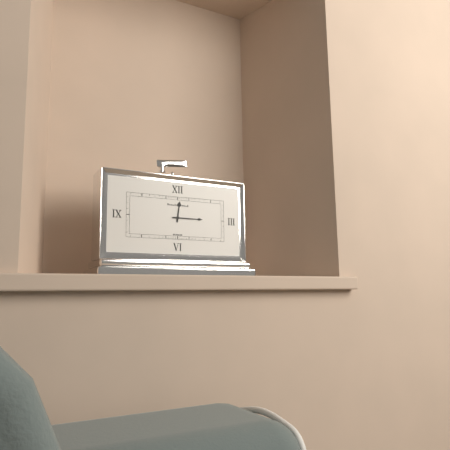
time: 12:15
